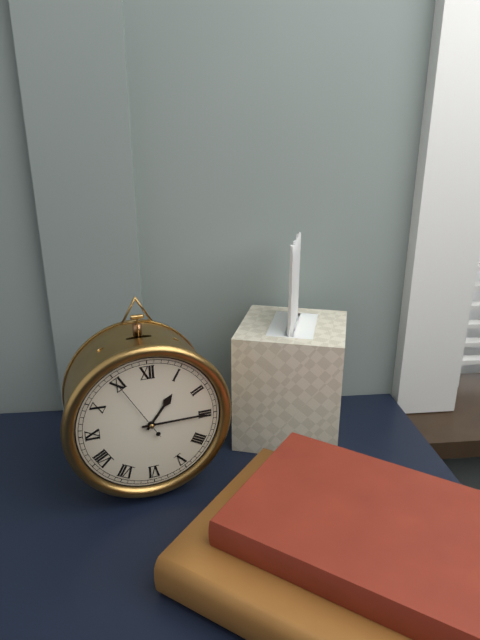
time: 1:15:55
